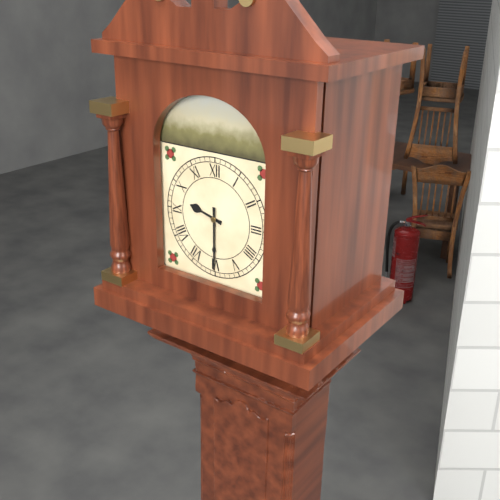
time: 9:30
